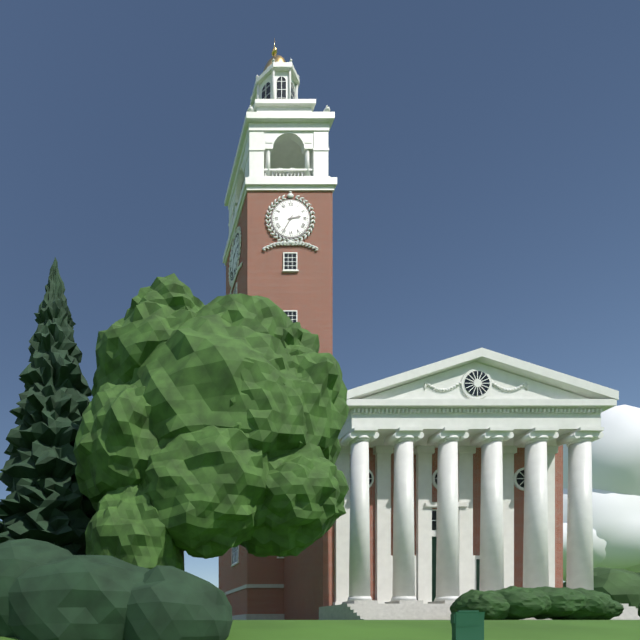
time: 2:35
